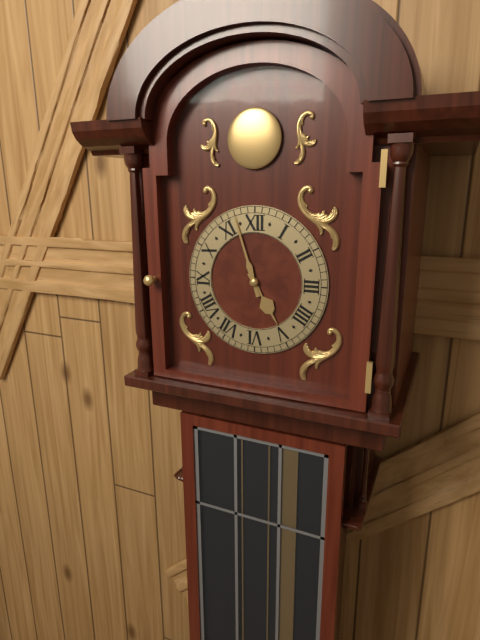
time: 4:57
